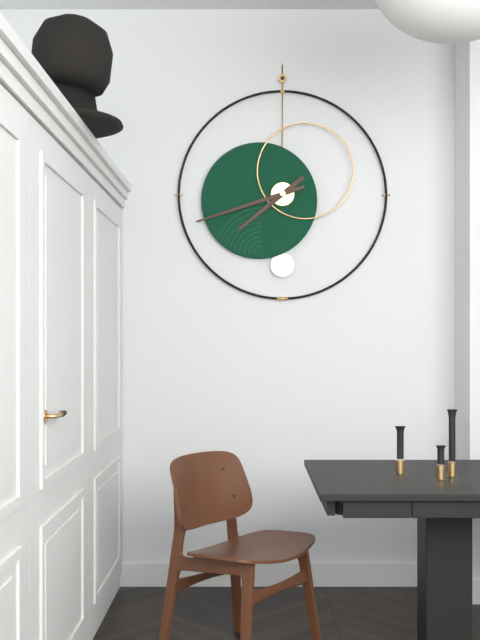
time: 7:42
